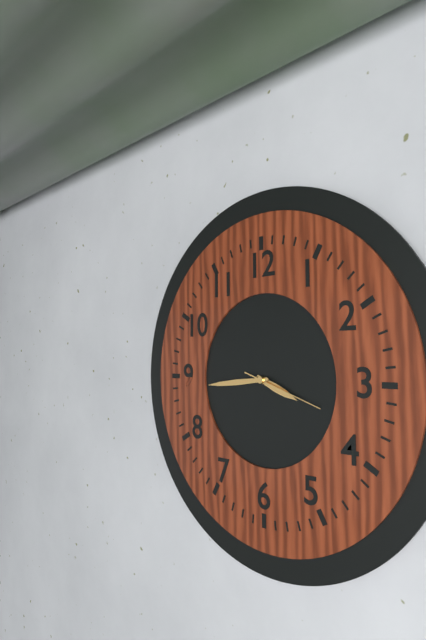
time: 3:44:18
